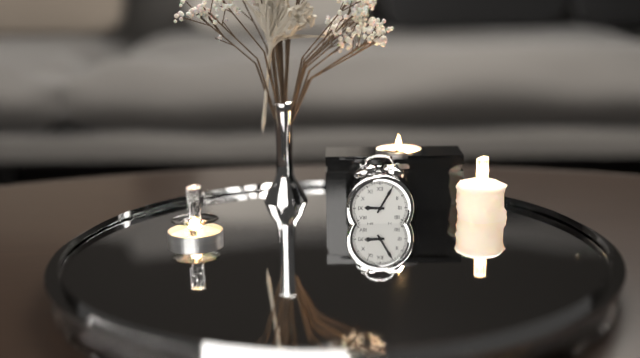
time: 9:05
